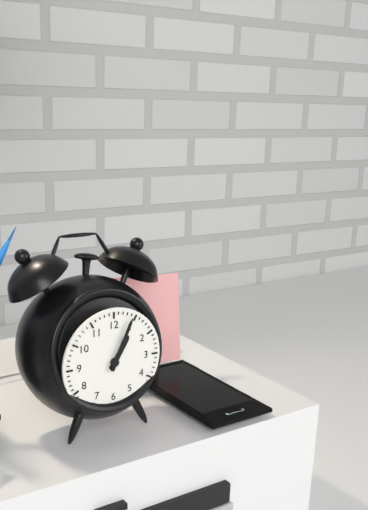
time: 1:04
